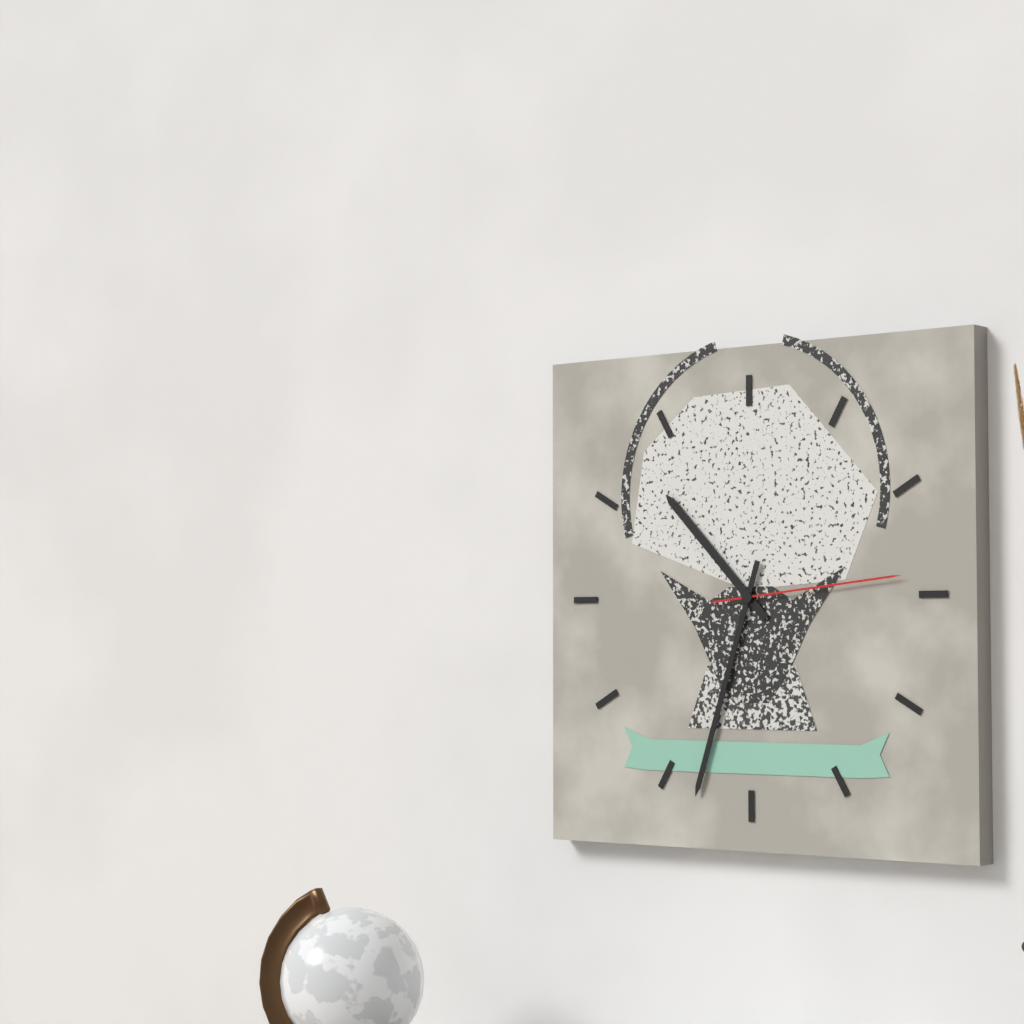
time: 10:33:14
